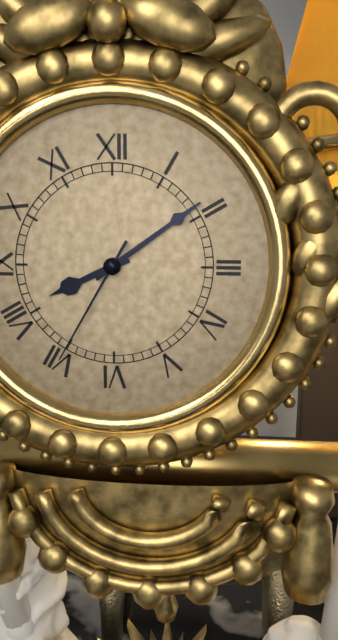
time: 8:09:35
